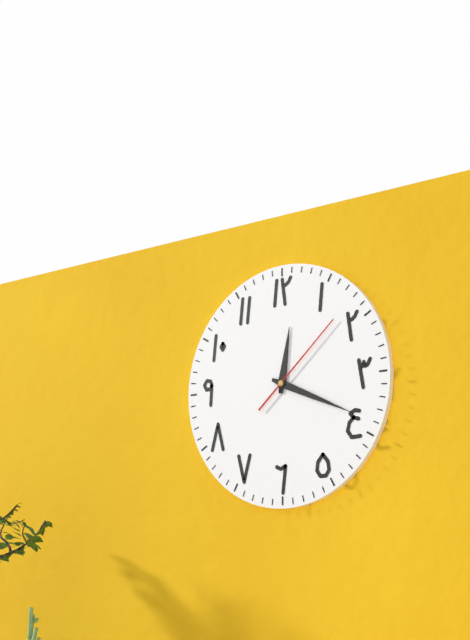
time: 12:19:08
